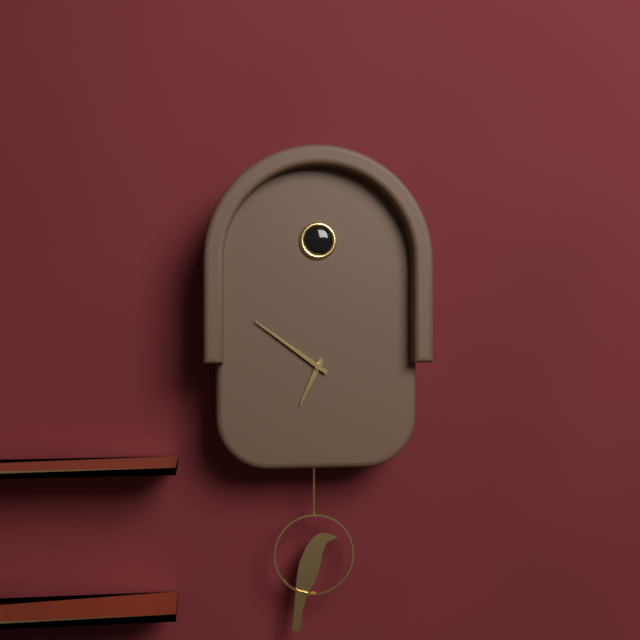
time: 6:51
